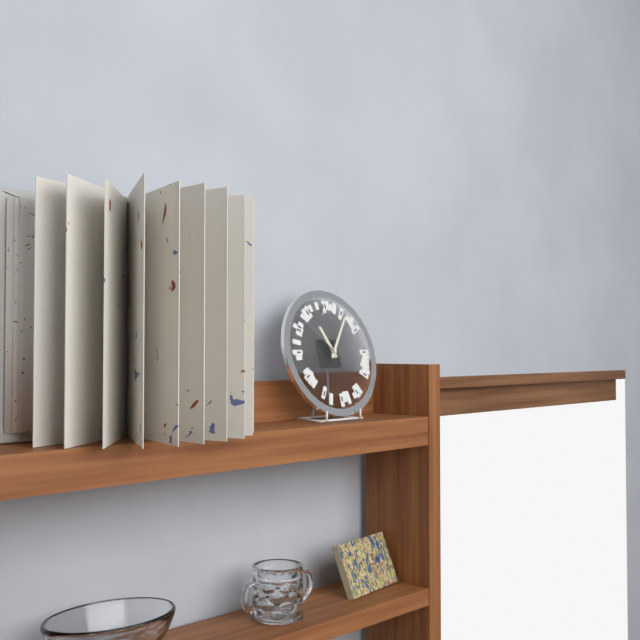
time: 11:06:52
